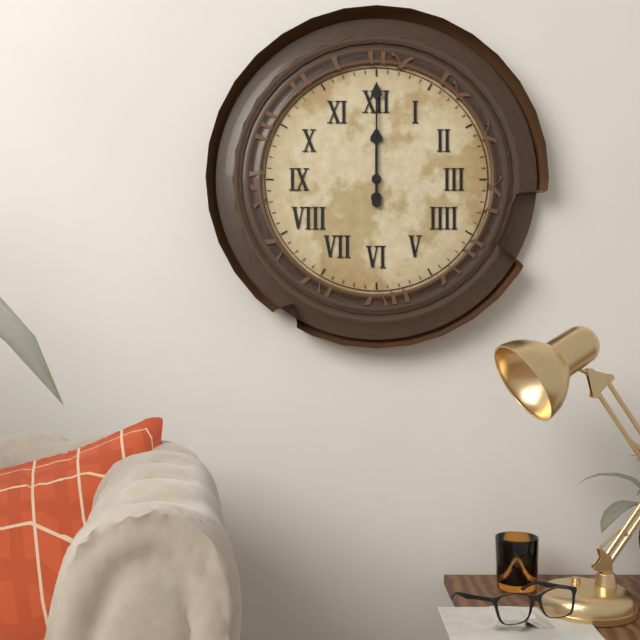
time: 12:00
